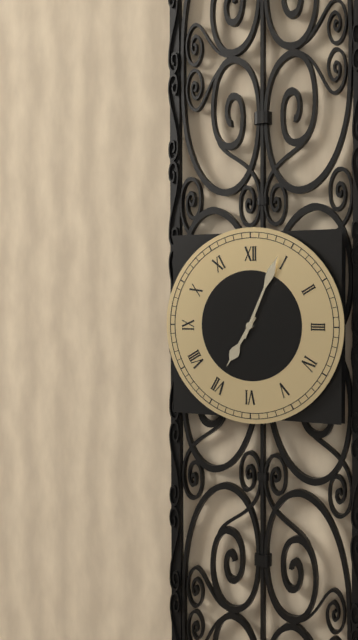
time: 7:04
